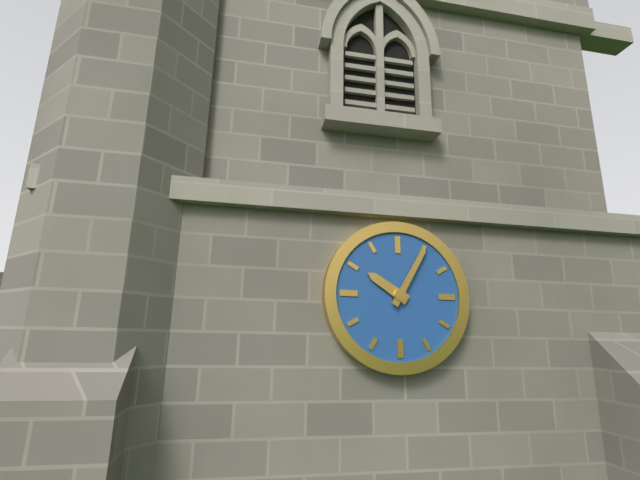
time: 10:05
